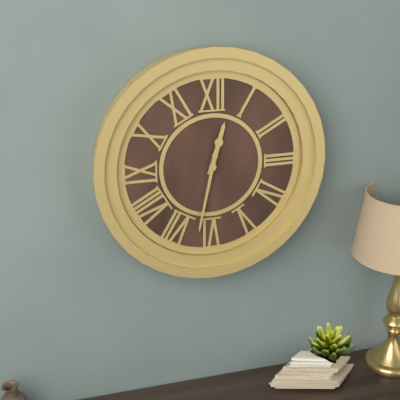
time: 12:32
